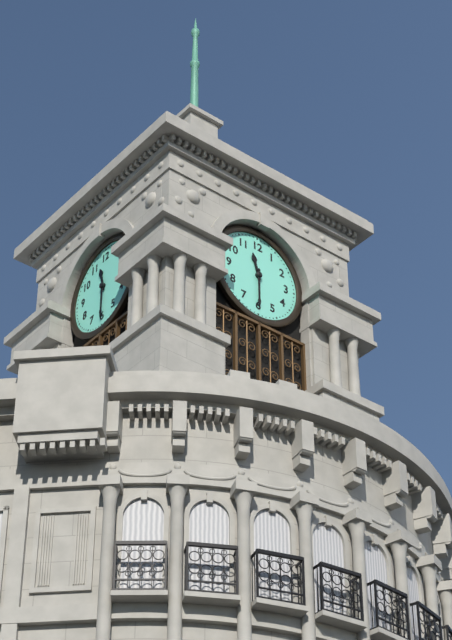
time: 11:30
